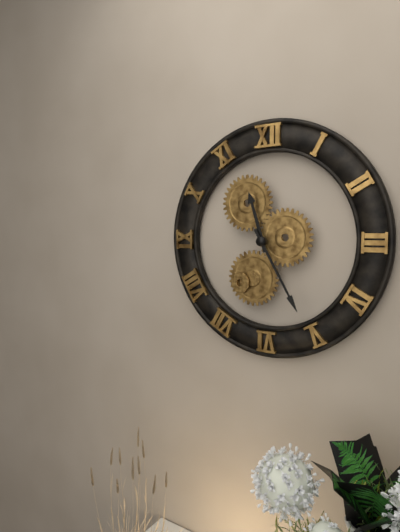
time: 11:25
